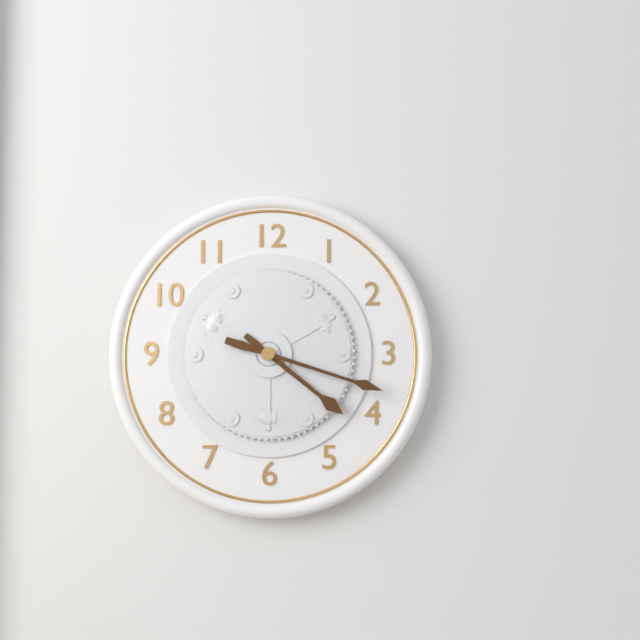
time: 4:18
